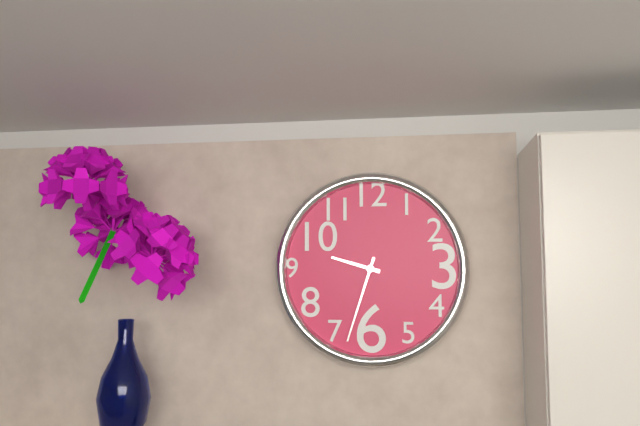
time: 9:33
